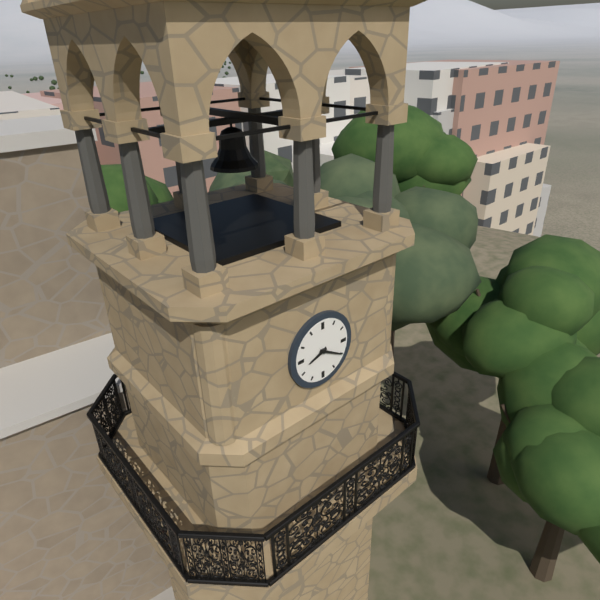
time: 8:20
